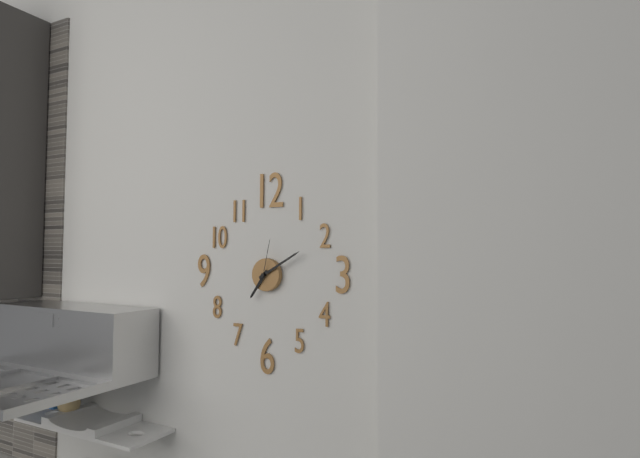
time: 7:10
